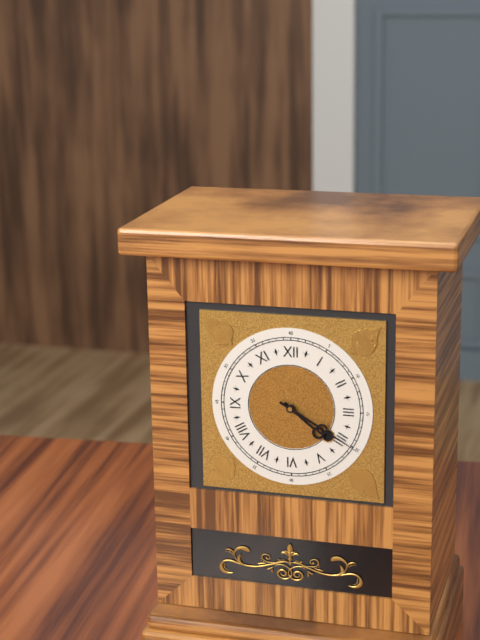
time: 4:20
